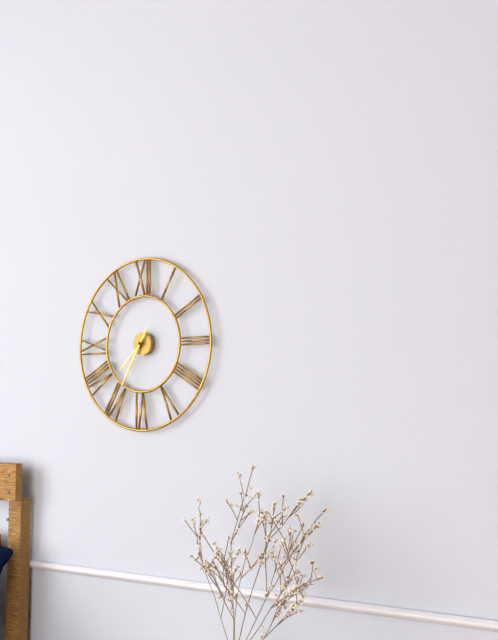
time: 7:35
